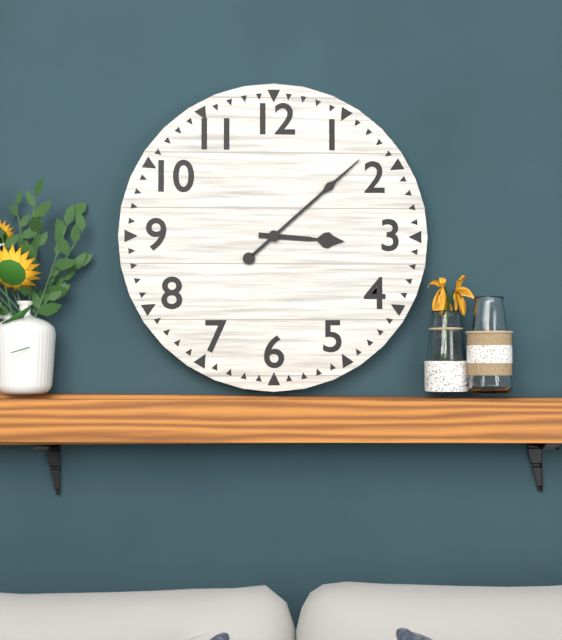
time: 3:08
